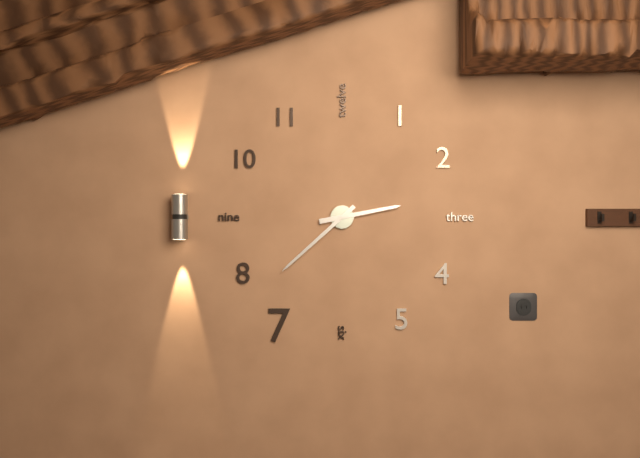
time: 2:38
